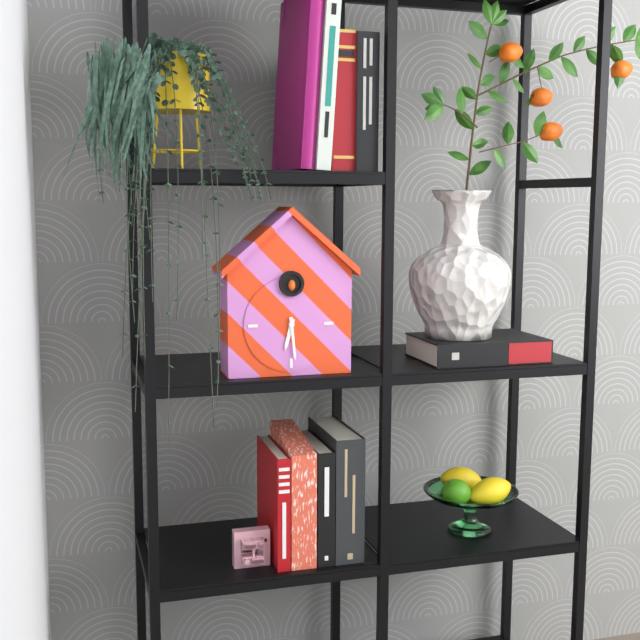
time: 6:29
